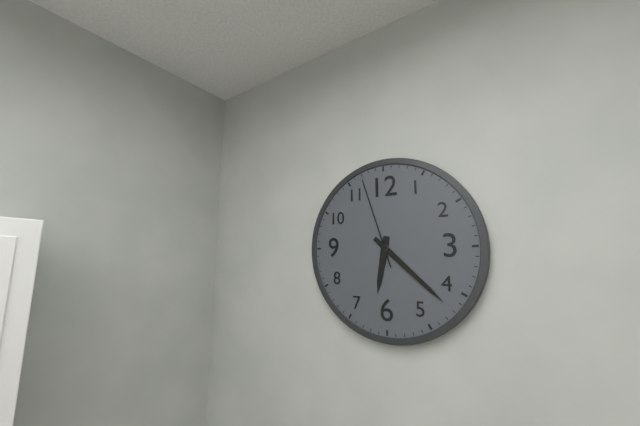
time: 6:22:57
